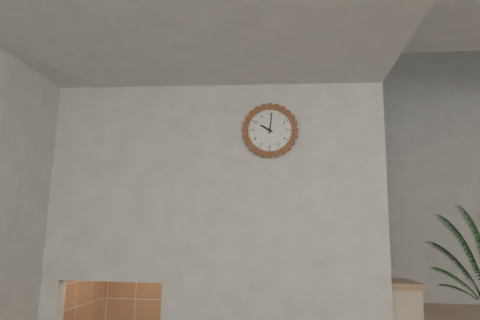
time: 10:01
